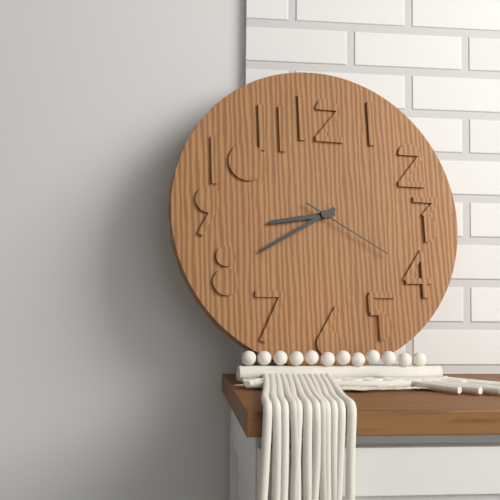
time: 8:40:20
